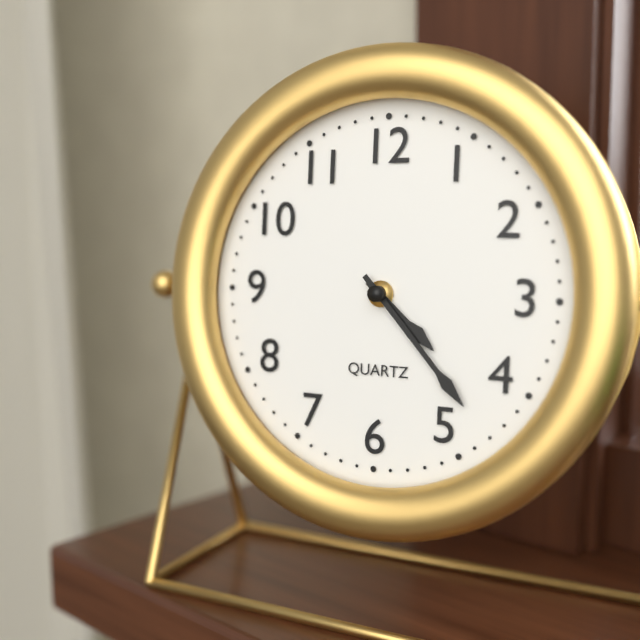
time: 4:23
